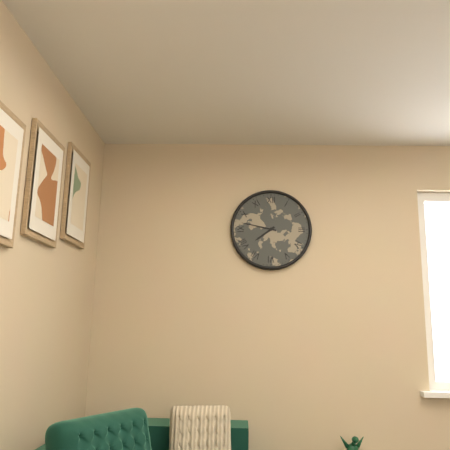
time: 7:47
